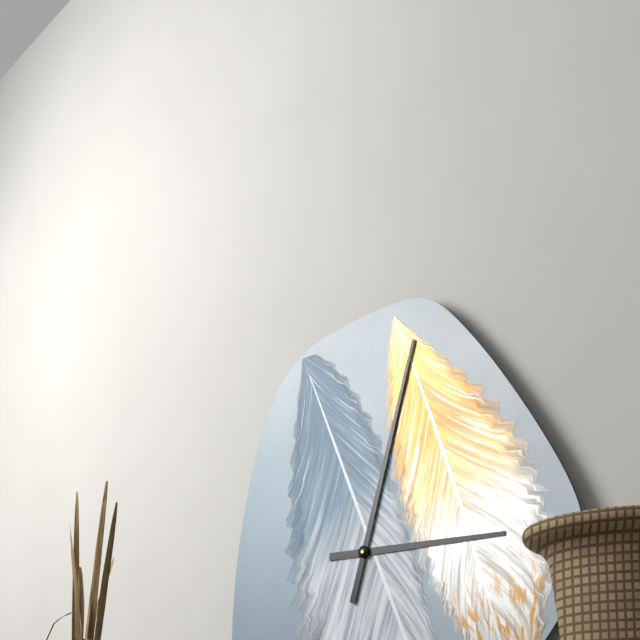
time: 3:03
